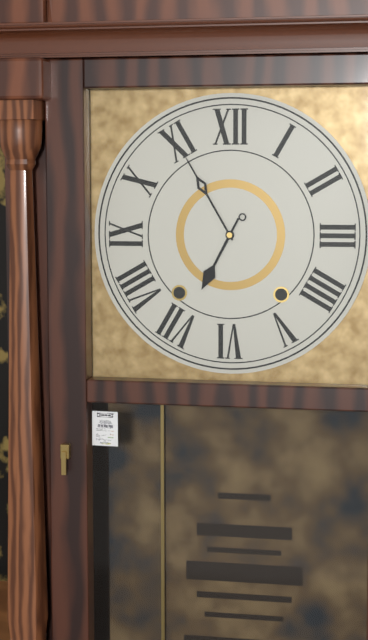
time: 6:55
